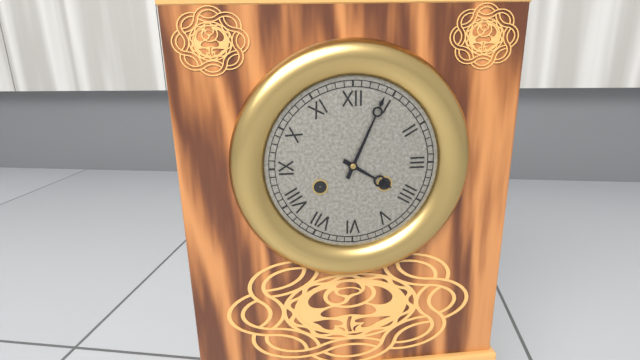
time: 4:04
